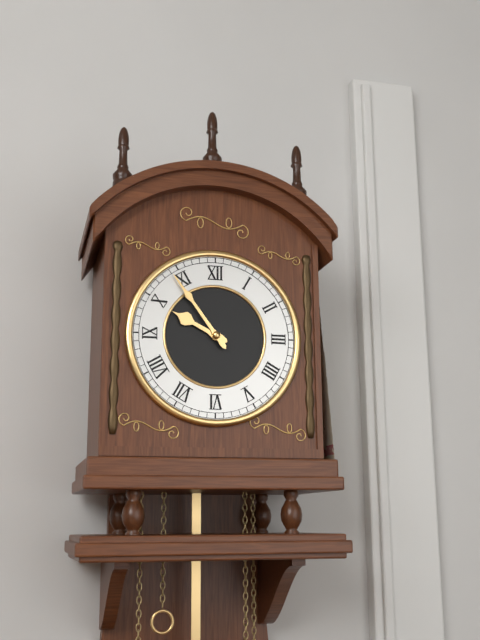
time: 9:54
